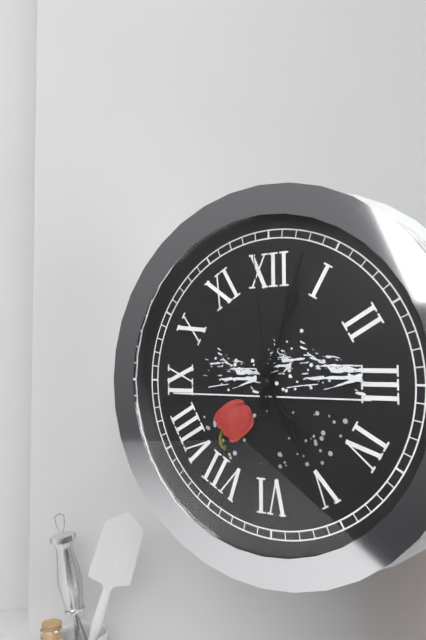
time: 5:03:59
